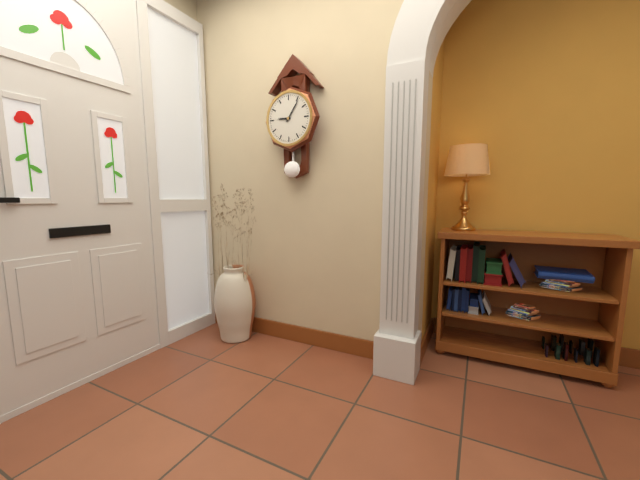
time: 9:06
